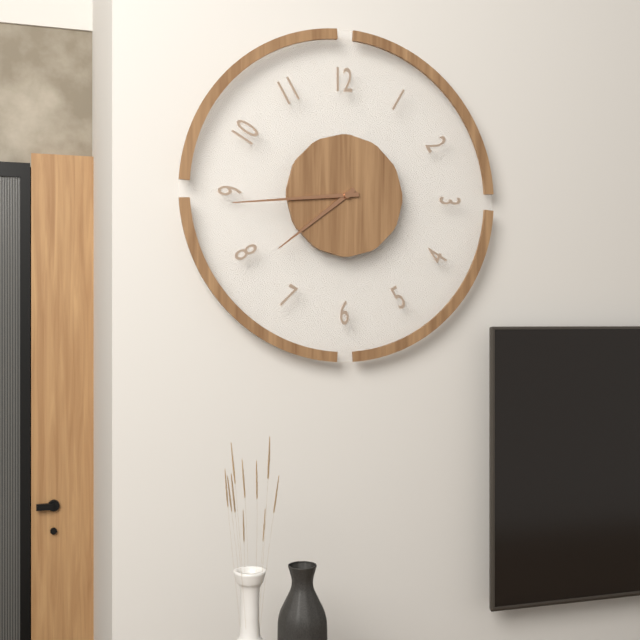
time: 7:44
